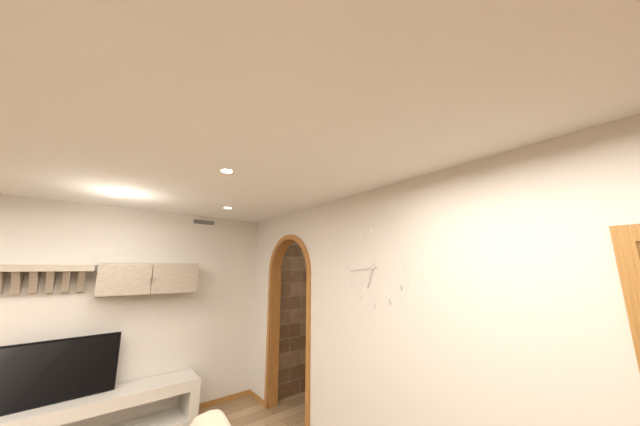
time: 6:44
